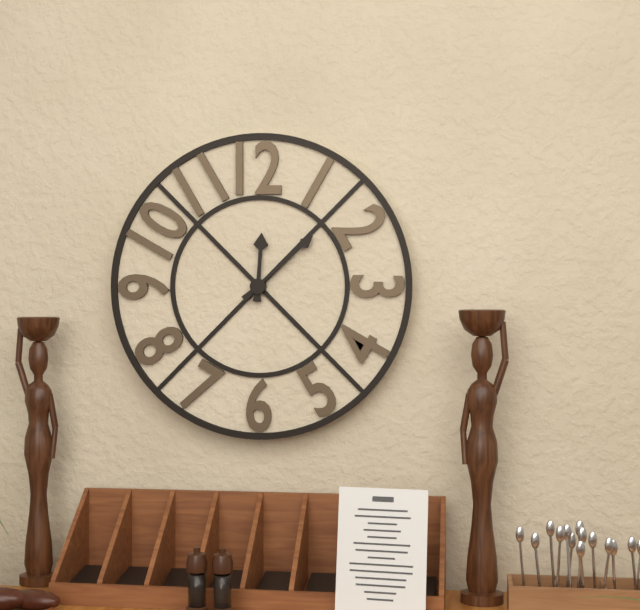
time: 12:08
